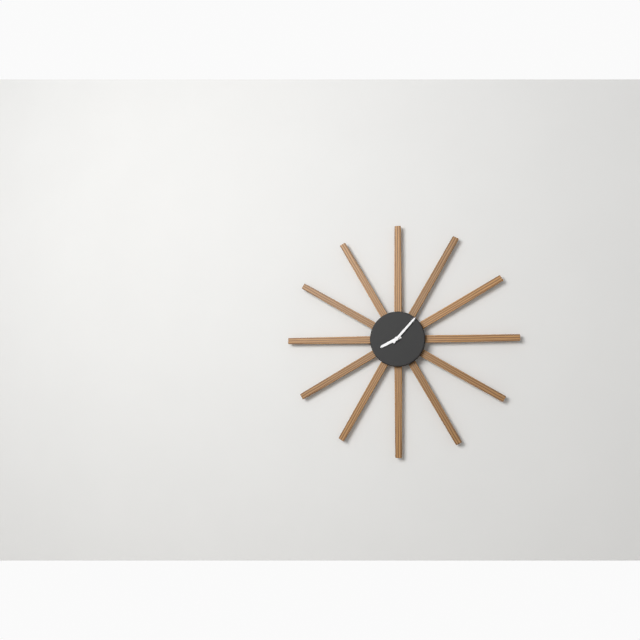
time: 8:07
